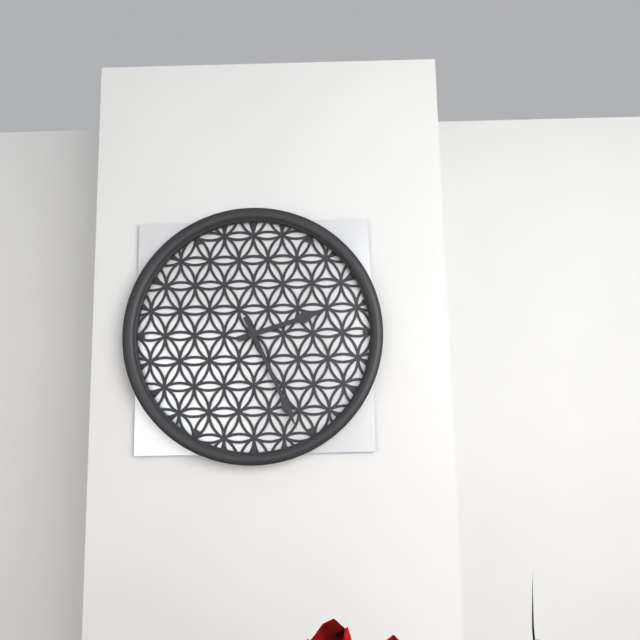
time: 2:26
